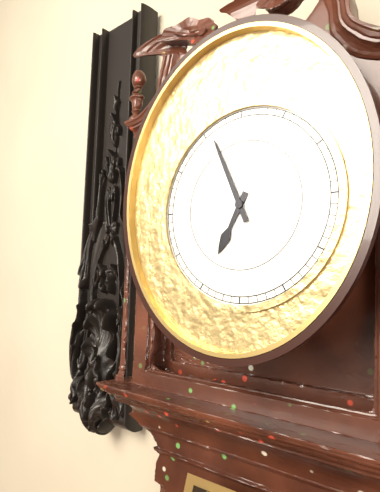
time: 6:56
